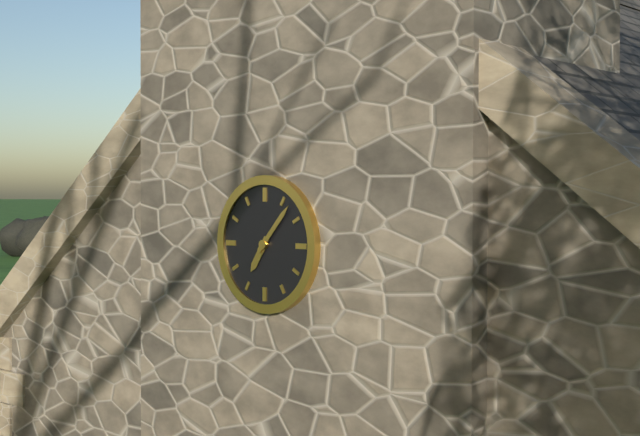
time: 7:07
